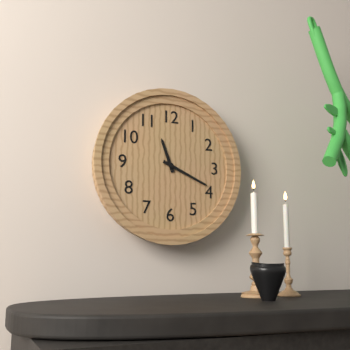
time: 11:19
